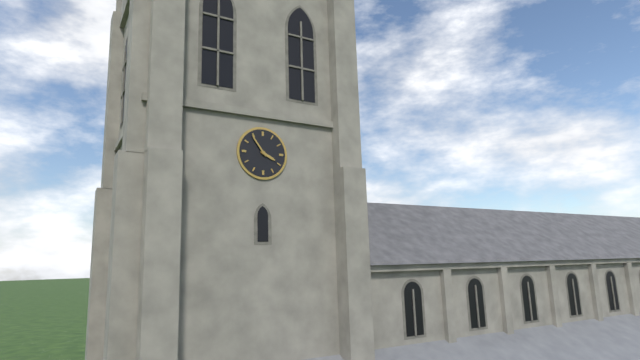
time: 3:54
